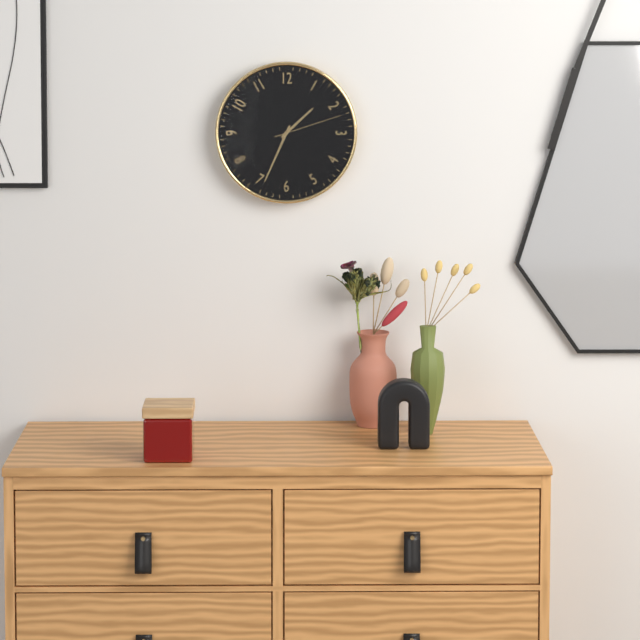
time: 1:34:12
